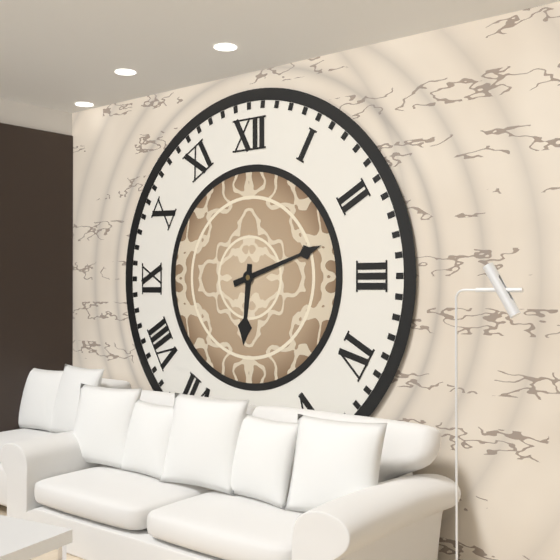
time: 6:12
